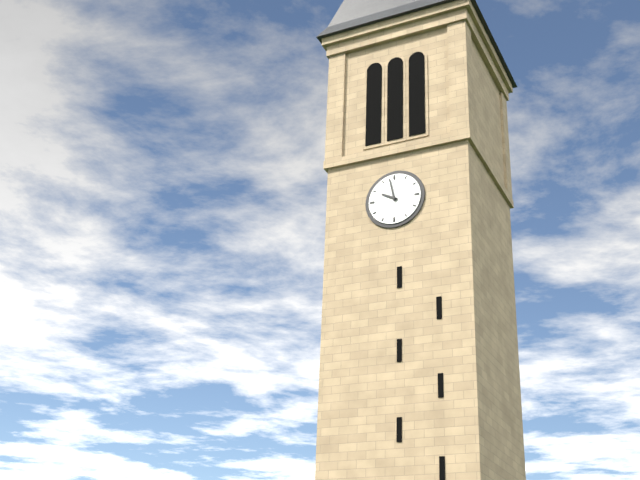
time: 9:58
